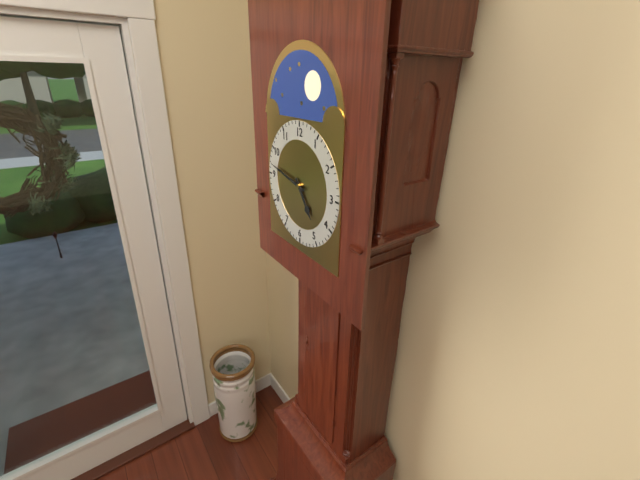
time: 4:47
